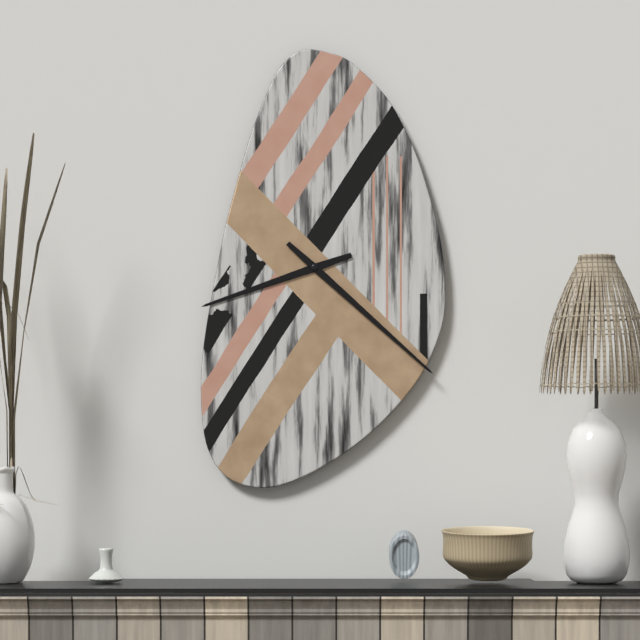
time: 8:22
